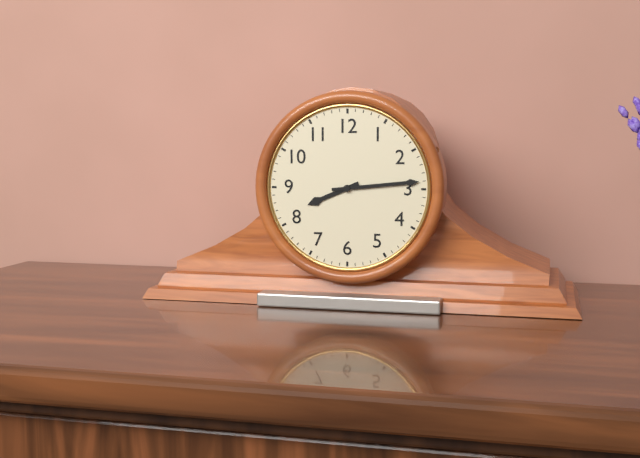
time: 8:14
